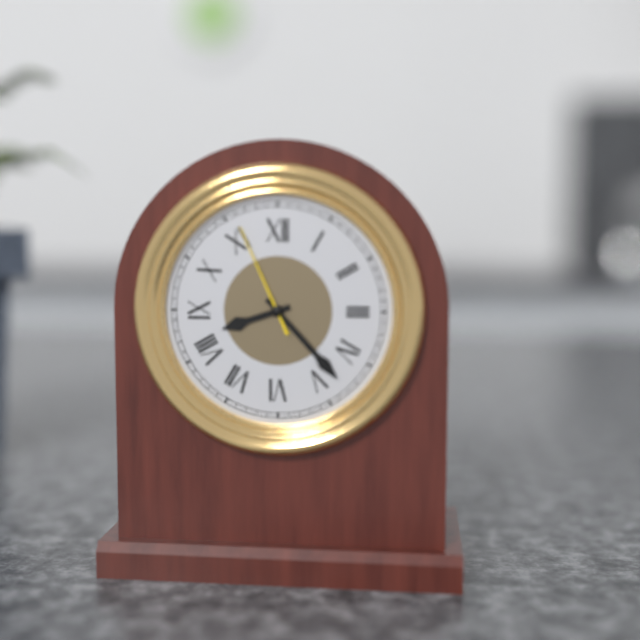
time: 8:23:56
